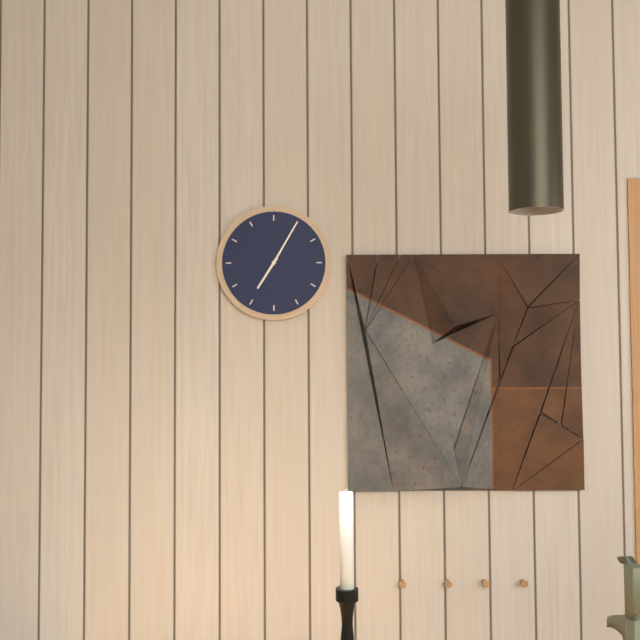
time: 7:05
